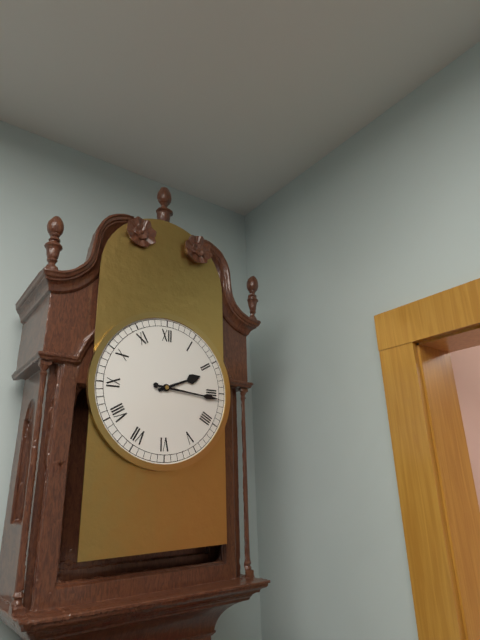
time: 2:16
